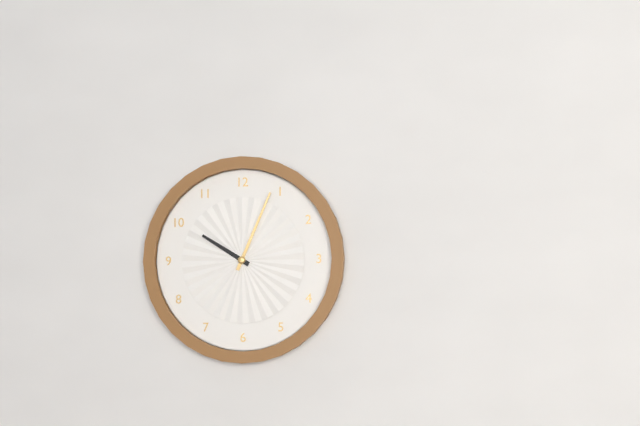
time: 10:04
